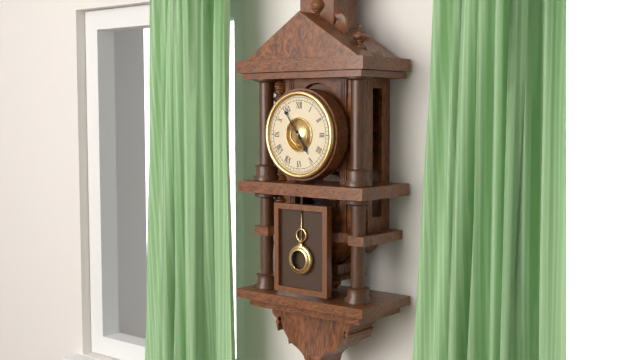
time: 4:54
